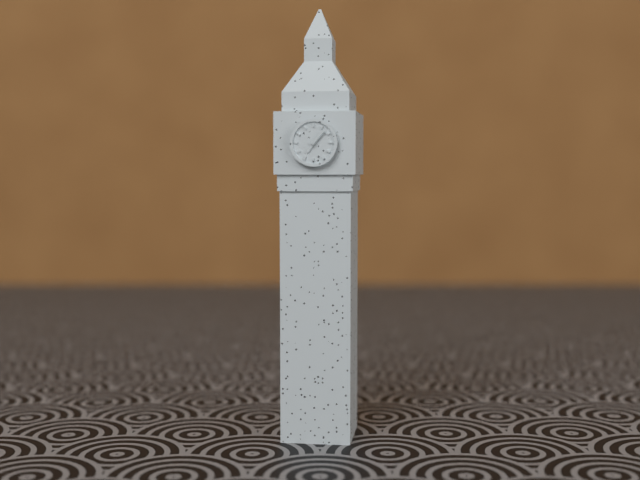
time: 7:07
